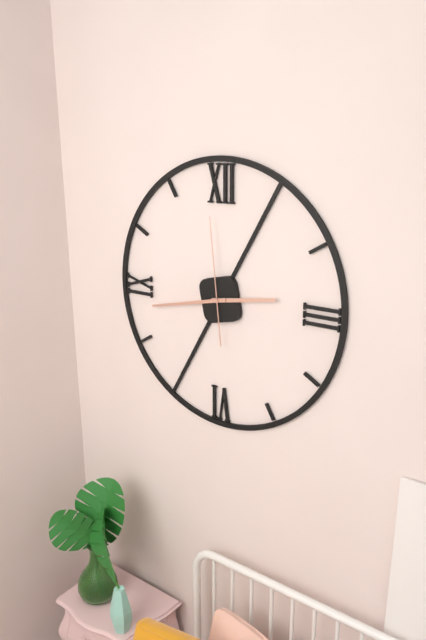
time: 2:43:59
